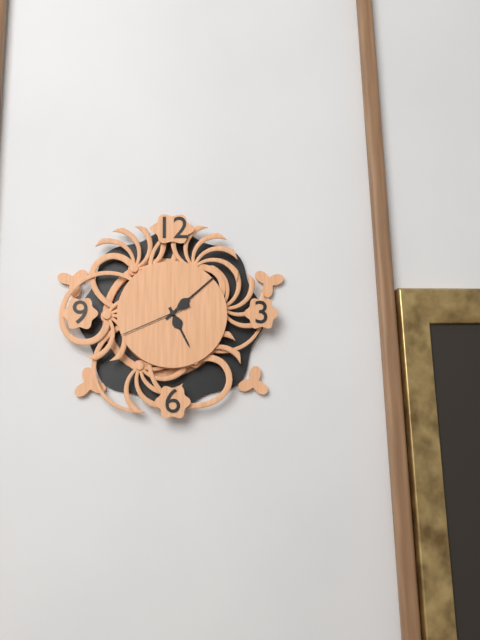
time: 5:08:41
